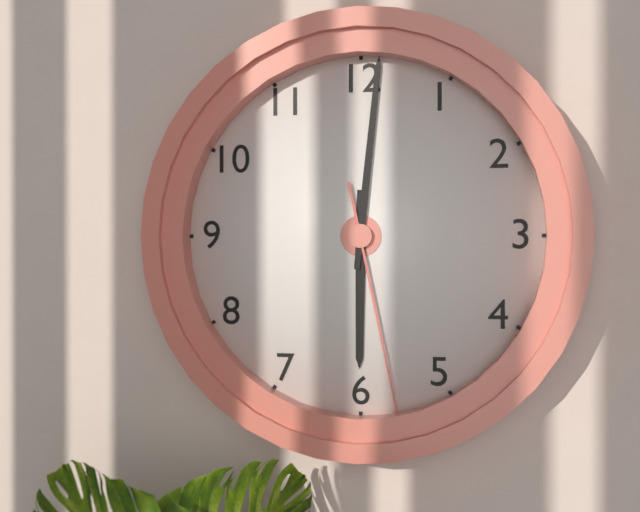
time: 6:01:28
